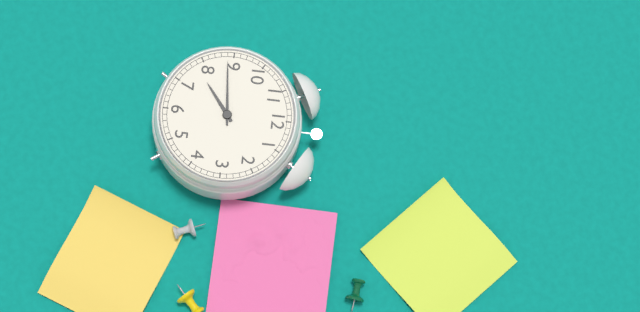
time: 7:44
